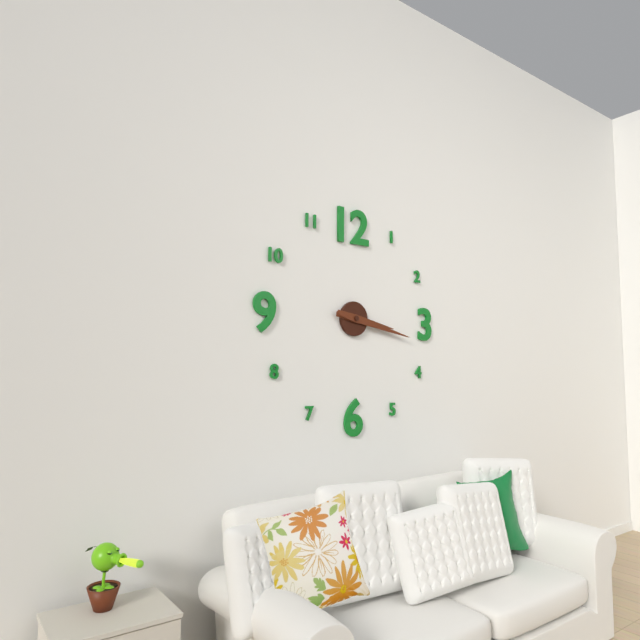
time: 3:17
